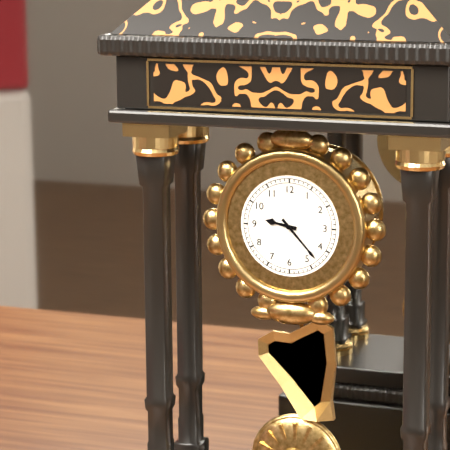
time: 9:23
